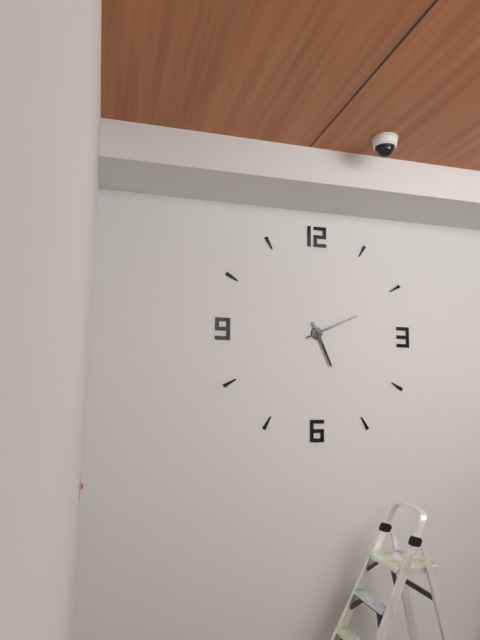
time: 5:11
